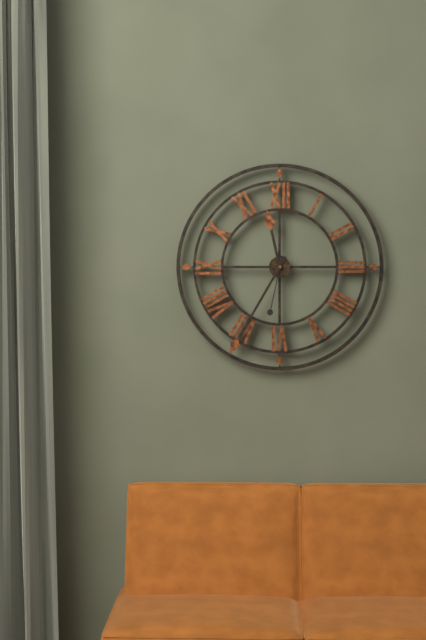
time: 11:35:32
